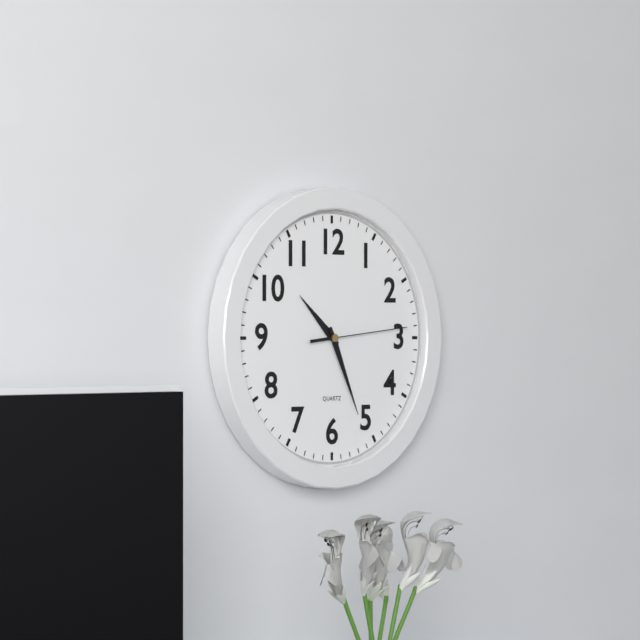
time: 10:26:14
